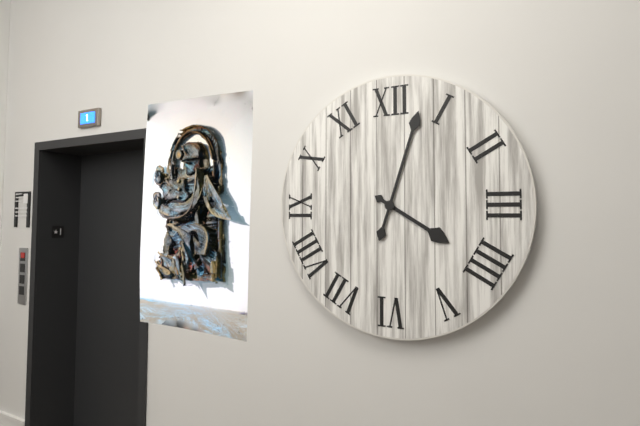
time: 4:03
